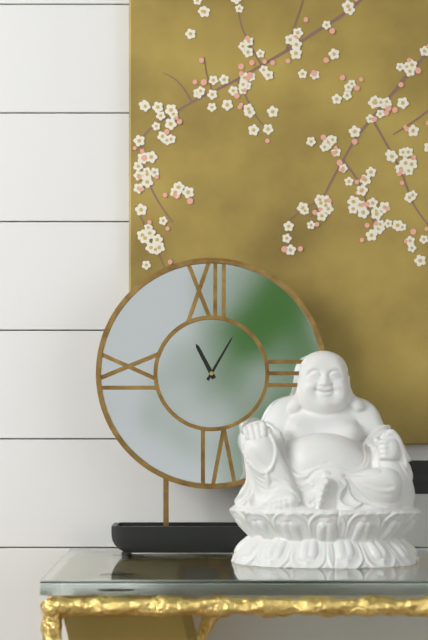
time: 11:05
